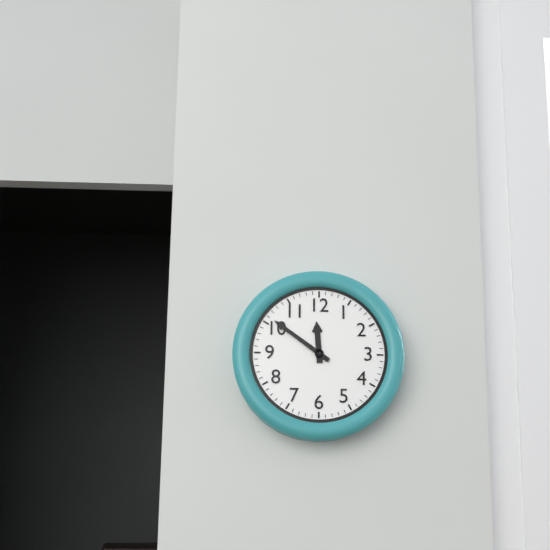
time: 11:51
